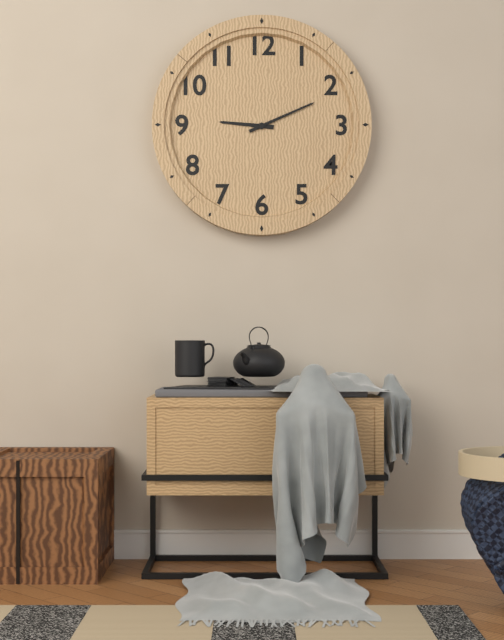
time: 9:11
